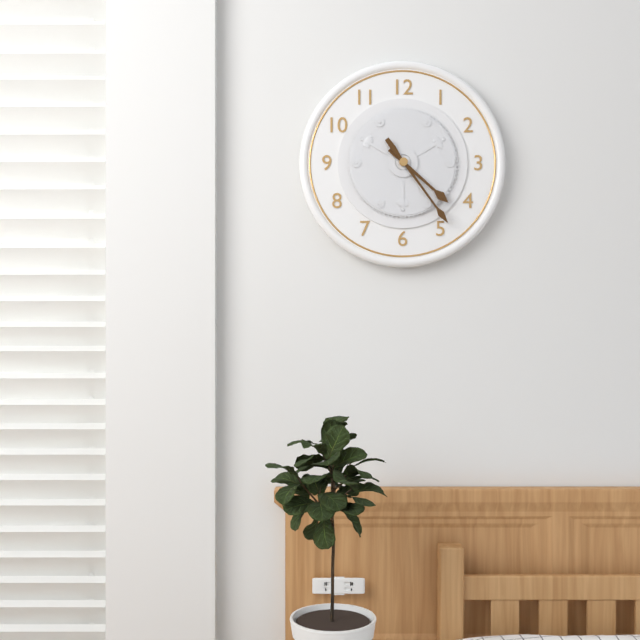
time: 4:24
